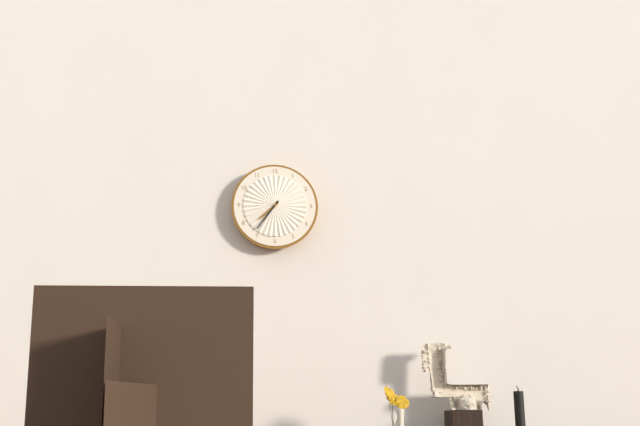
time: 7:36
